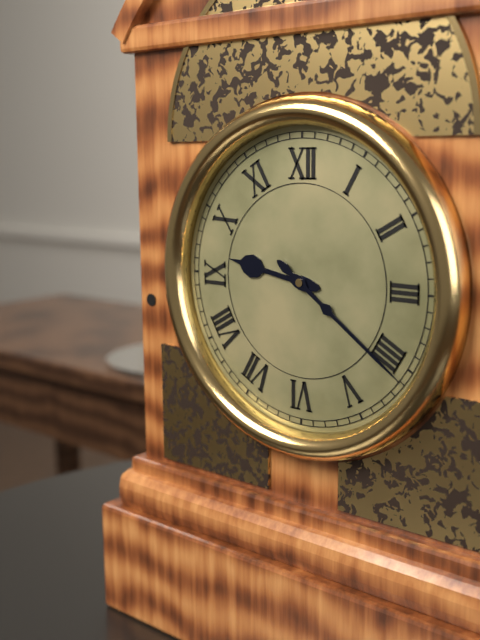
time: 9:21
